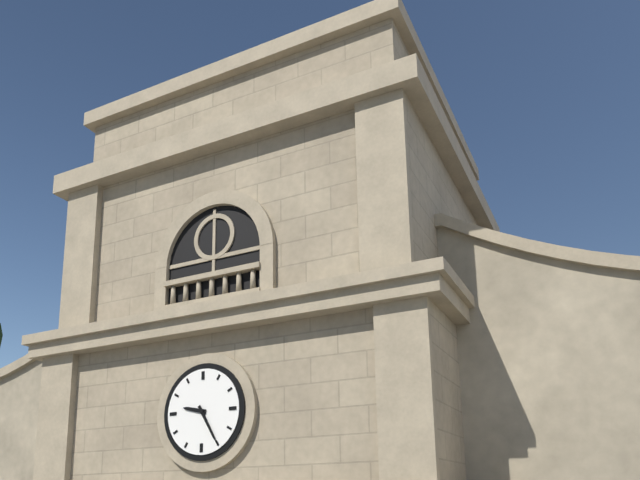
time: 9:25
